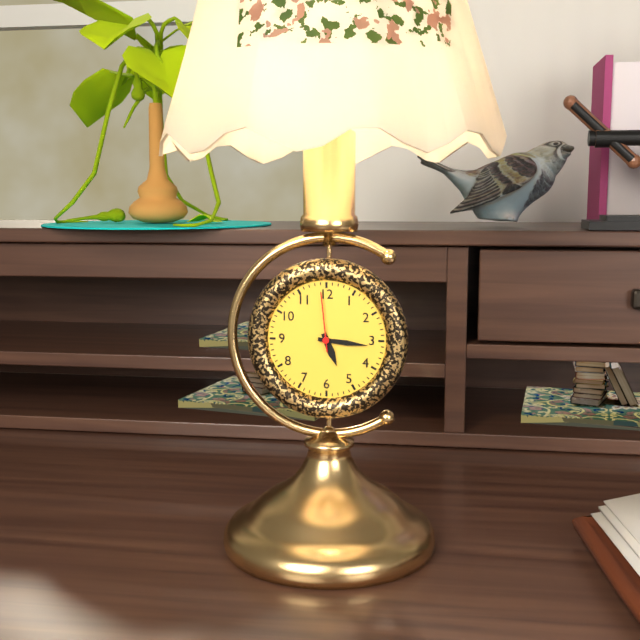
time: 5:16:59
